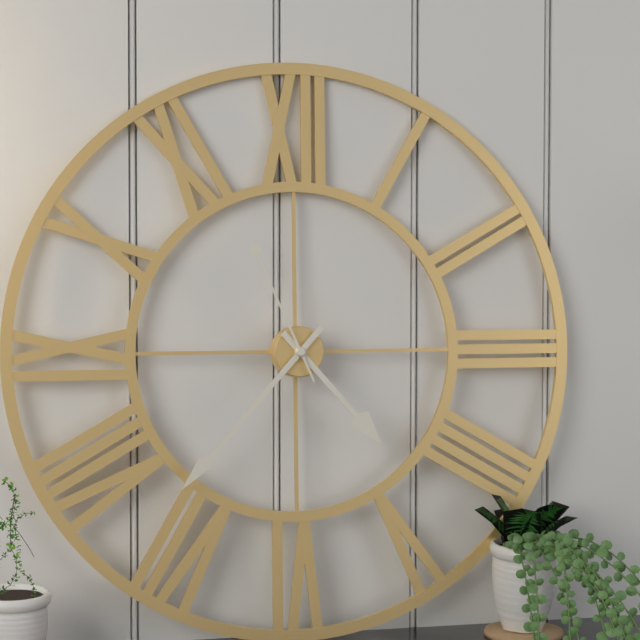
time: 4:37:56
